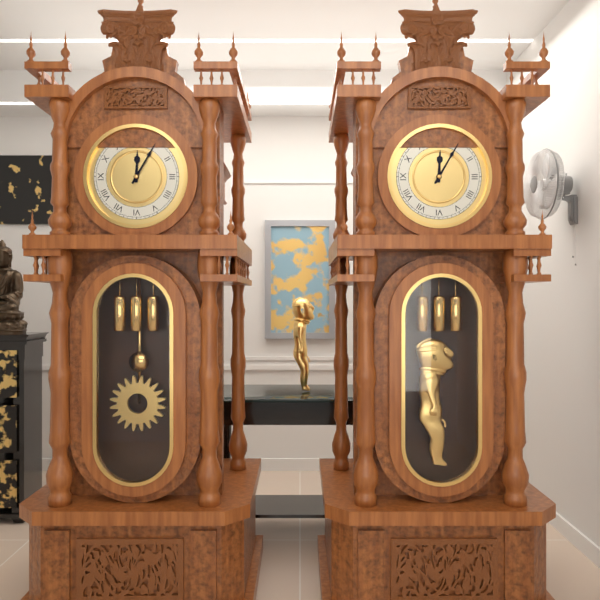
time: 12:05
